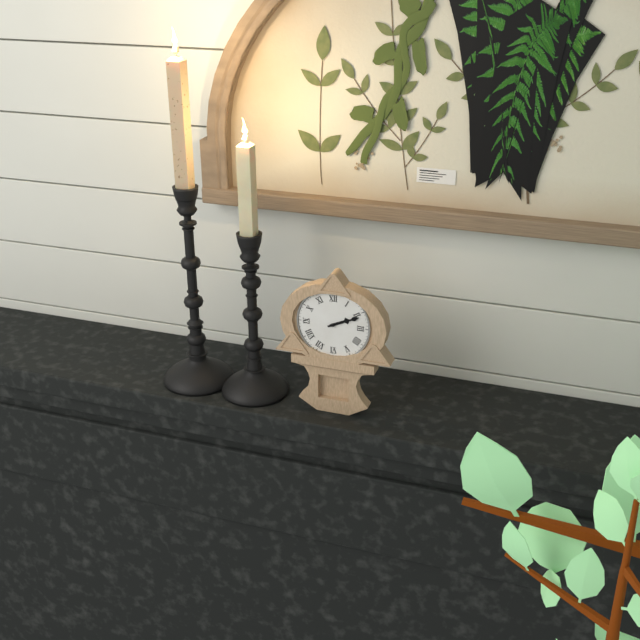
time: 2:11
